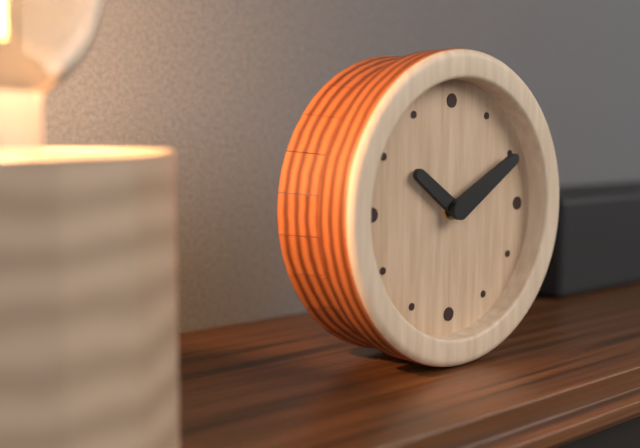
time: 10:10
